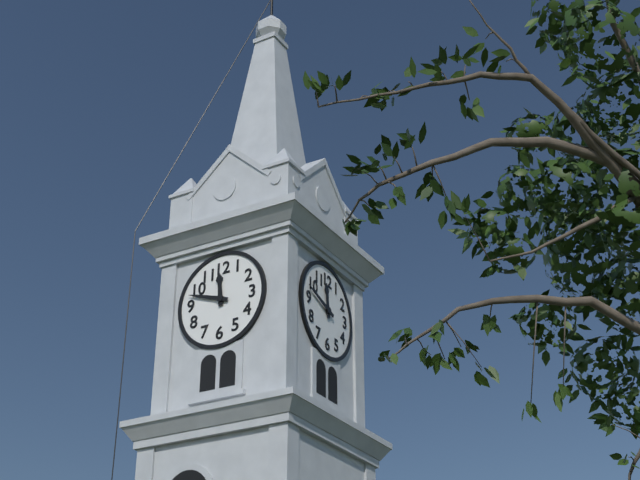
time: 11:48
